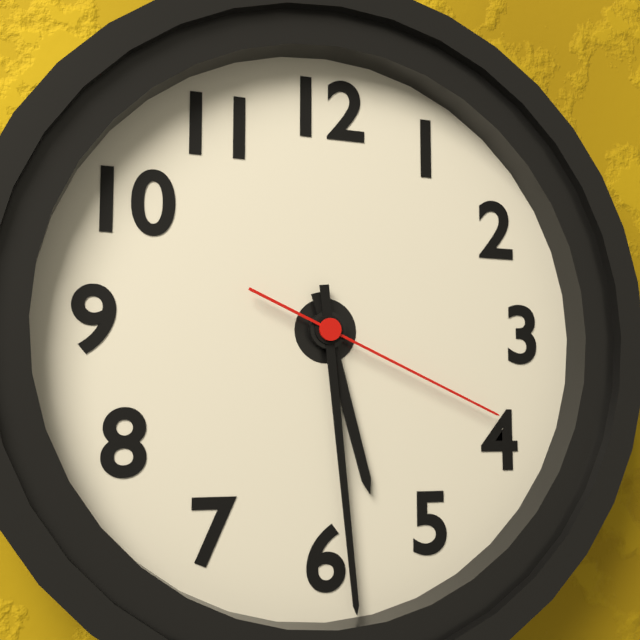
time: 5:29:19
